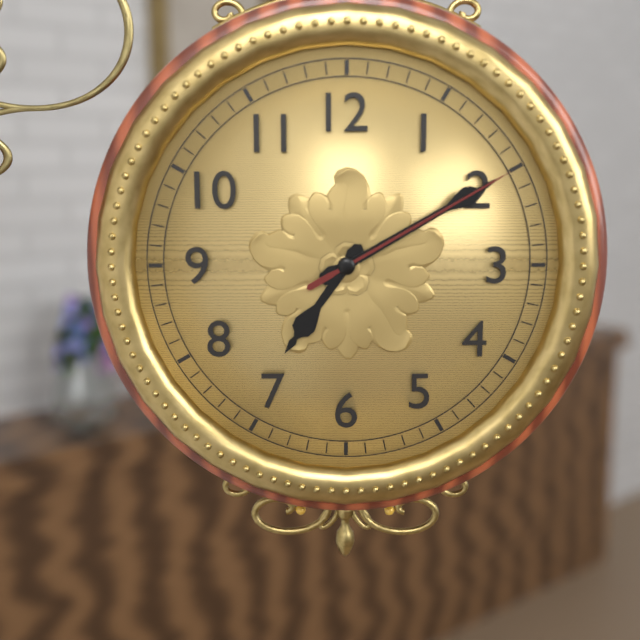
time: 7:10:10
